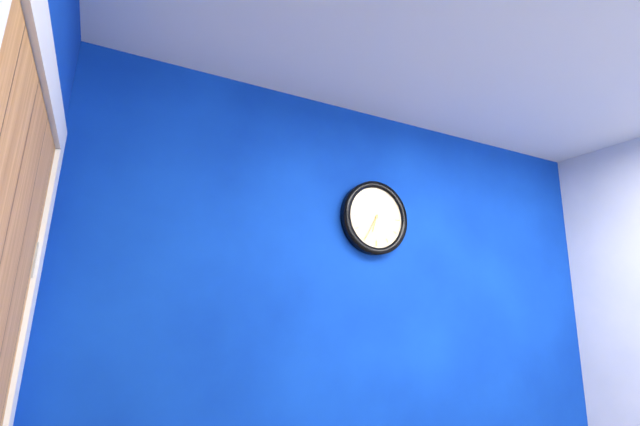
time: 6:35
